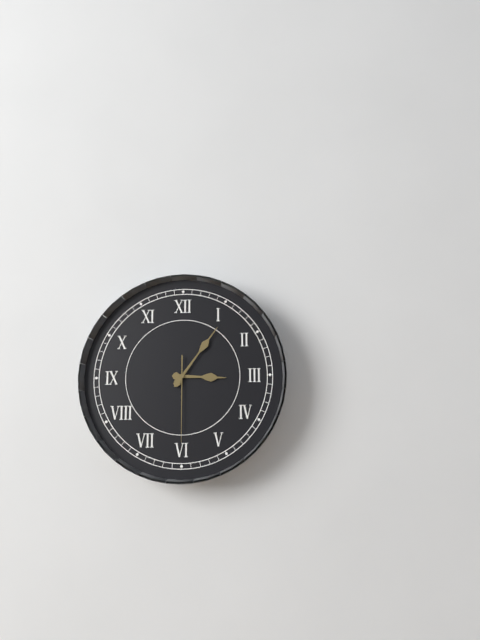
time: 3:06:30
